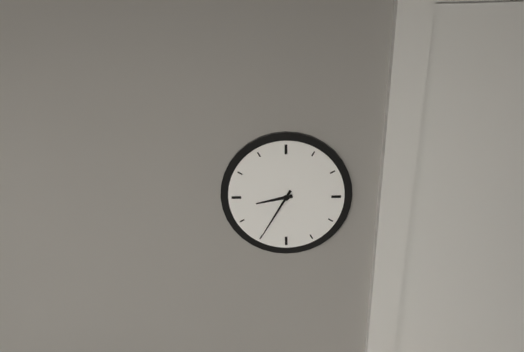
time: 8:35
